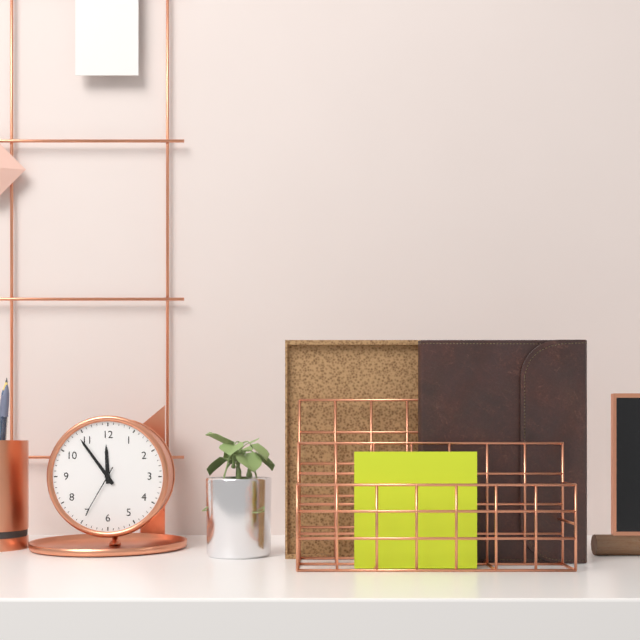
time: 11:54:35
